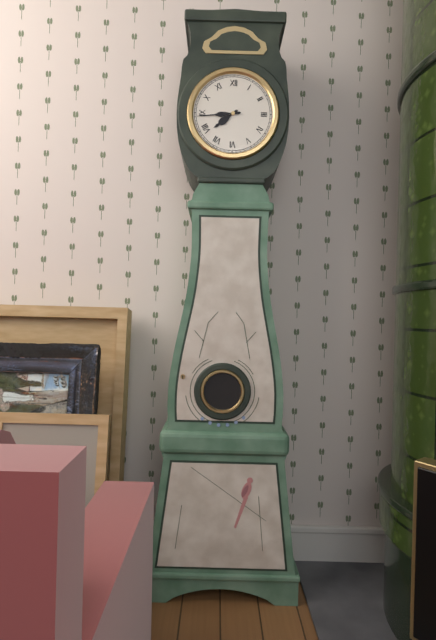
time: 7:44
